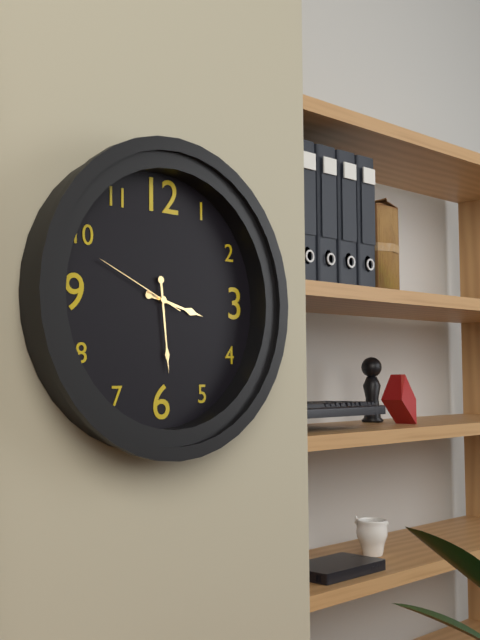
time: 3:29:49
